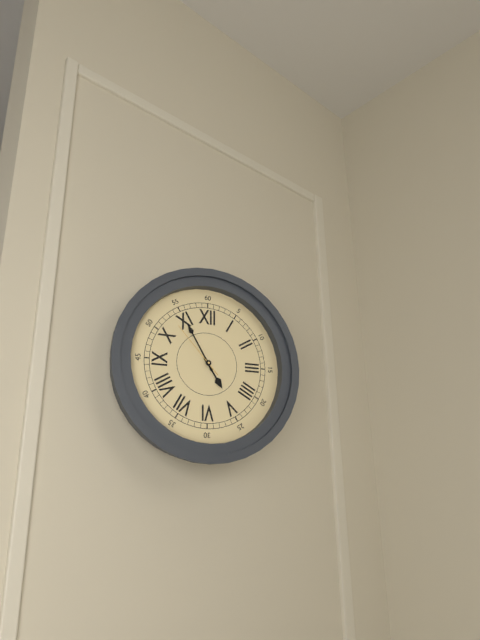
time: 4:55:53
